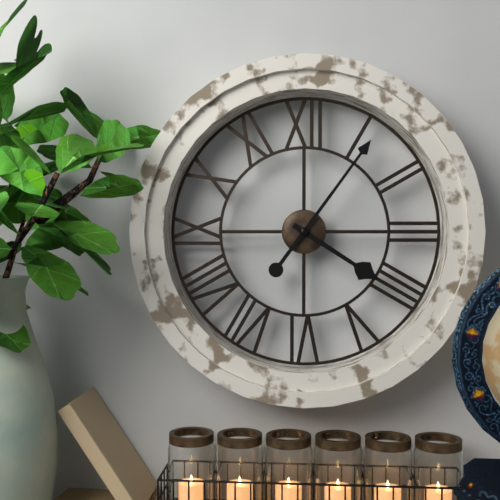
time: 4:06
